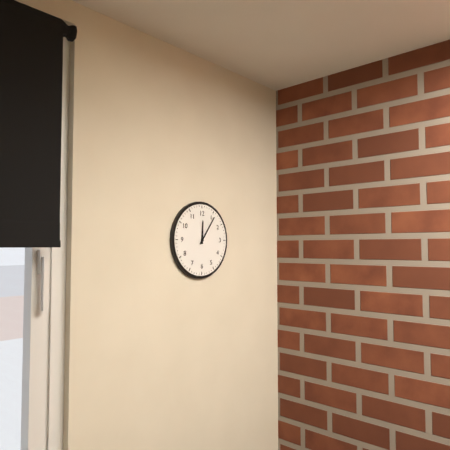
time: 12:06
